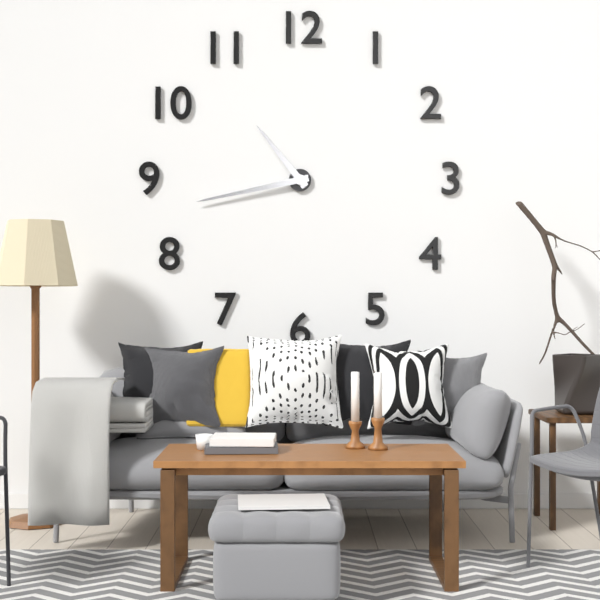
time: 10:43
